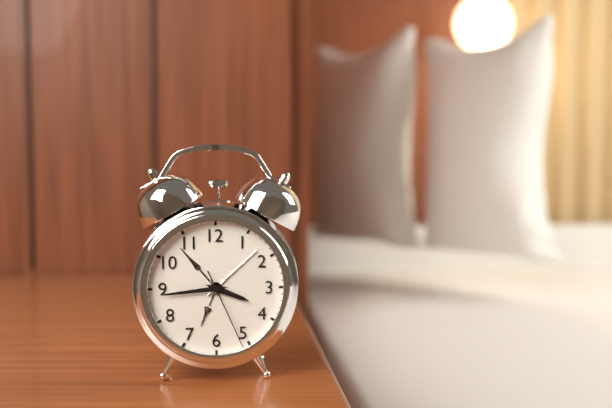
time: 3:44:26
